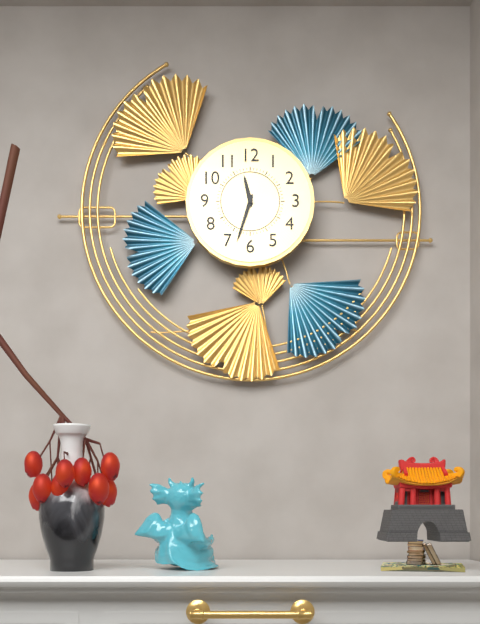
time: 11:33
